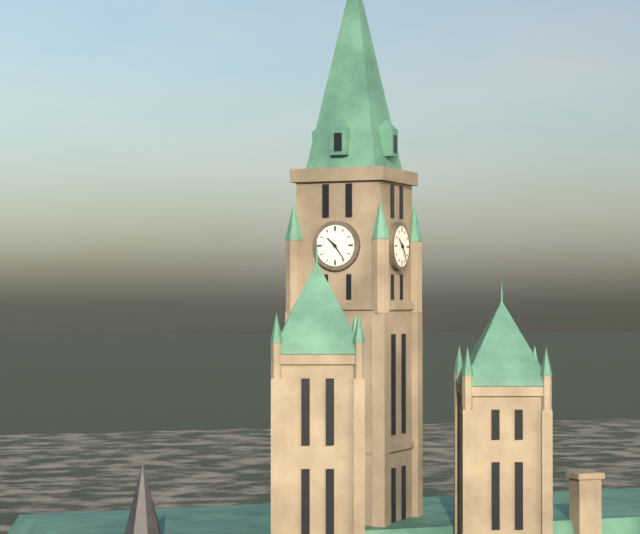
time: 10:24
